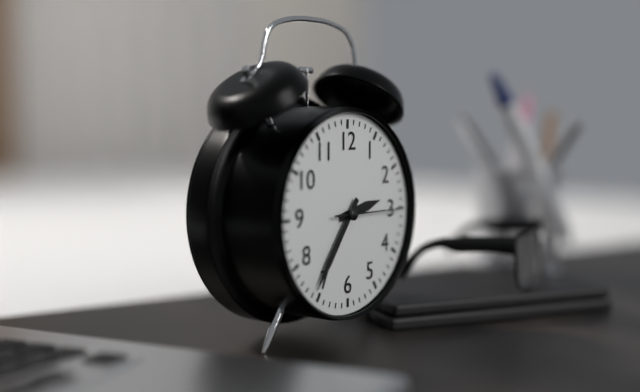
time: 2:36:15
